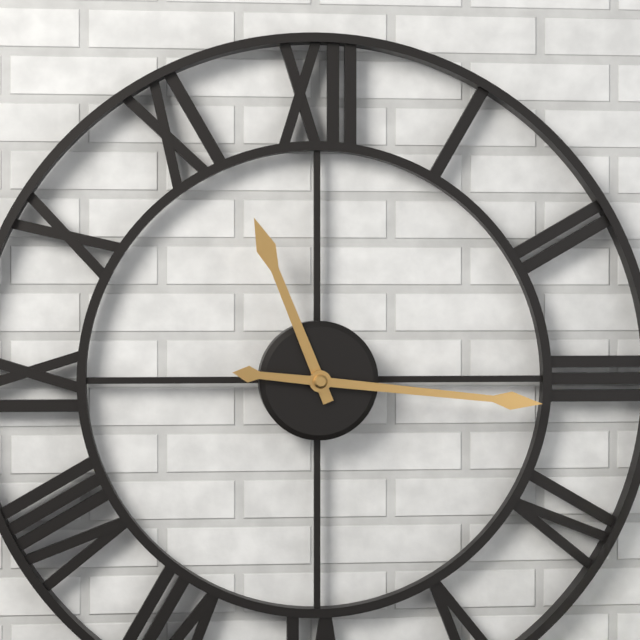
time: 11:16
